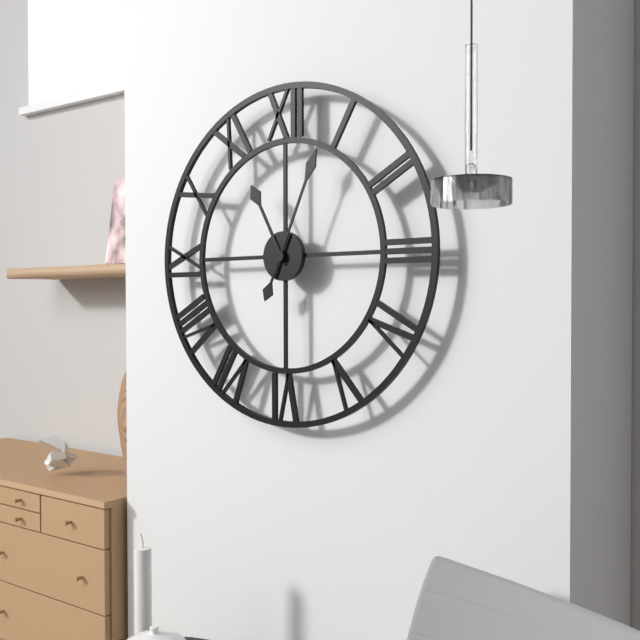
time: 11:04
